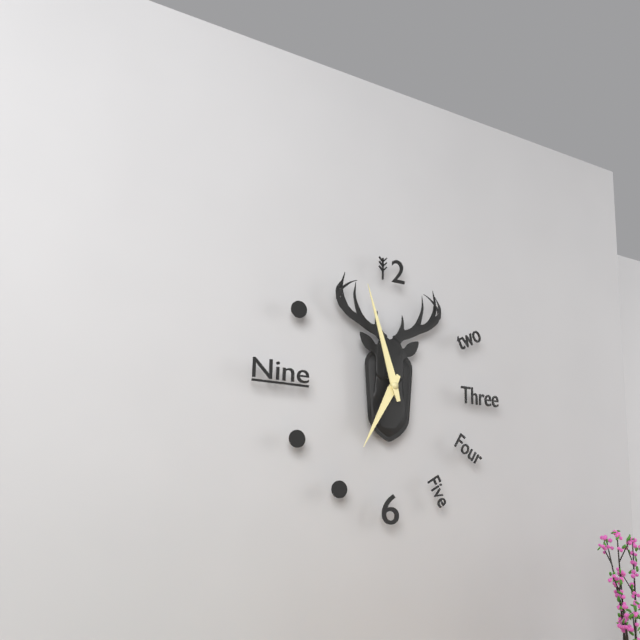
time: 6:57
